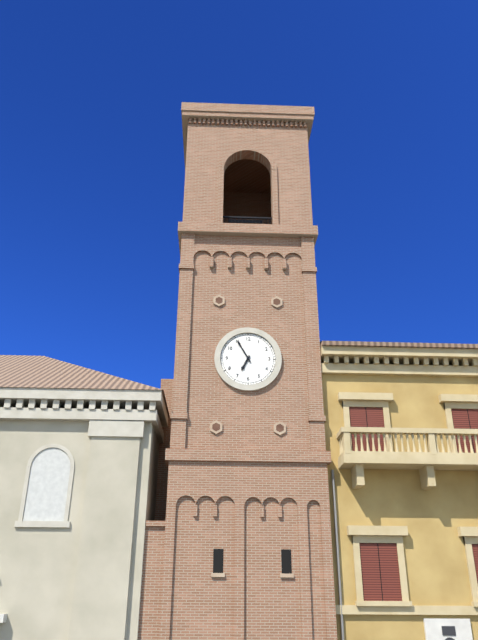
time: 6:55
